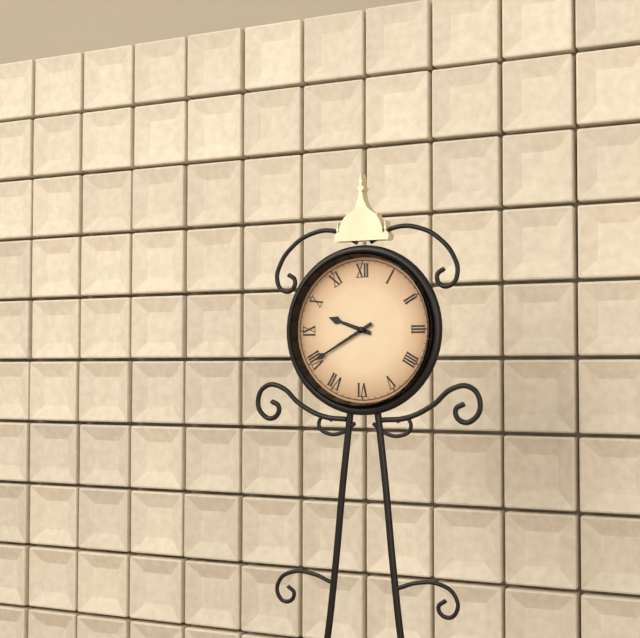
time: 9:40
